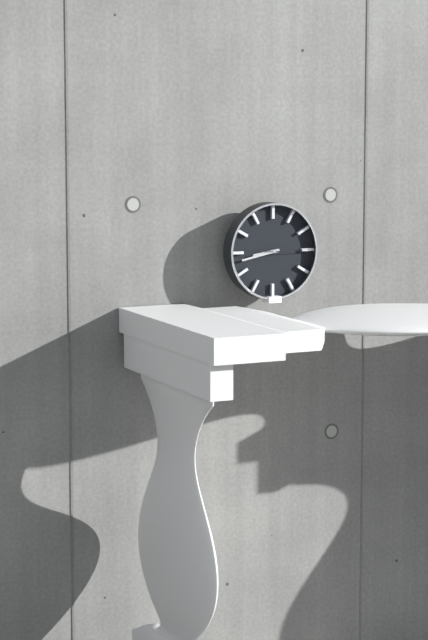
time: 8:43
